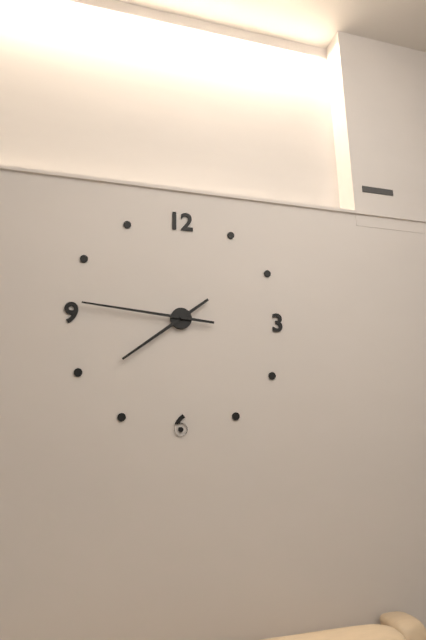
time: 7:46
